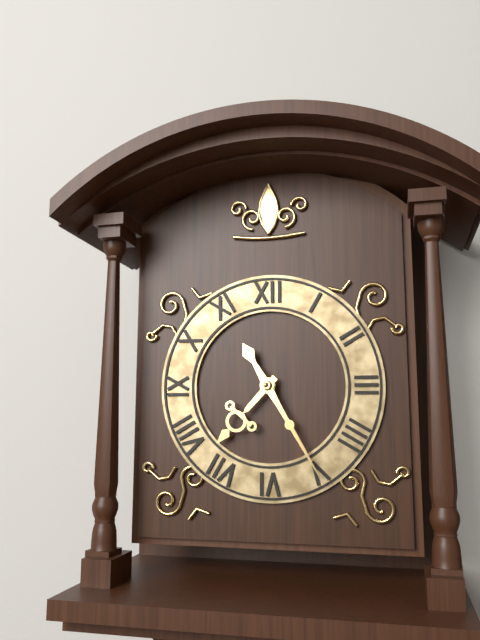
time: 7:25
